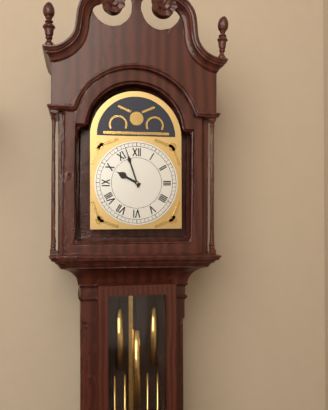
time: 9:57
